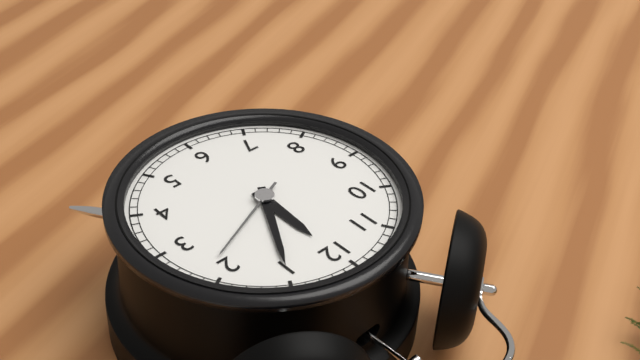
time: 12:05:11
